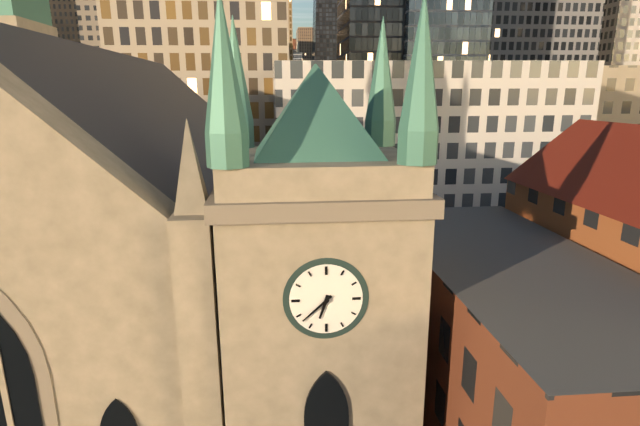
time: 6:38
